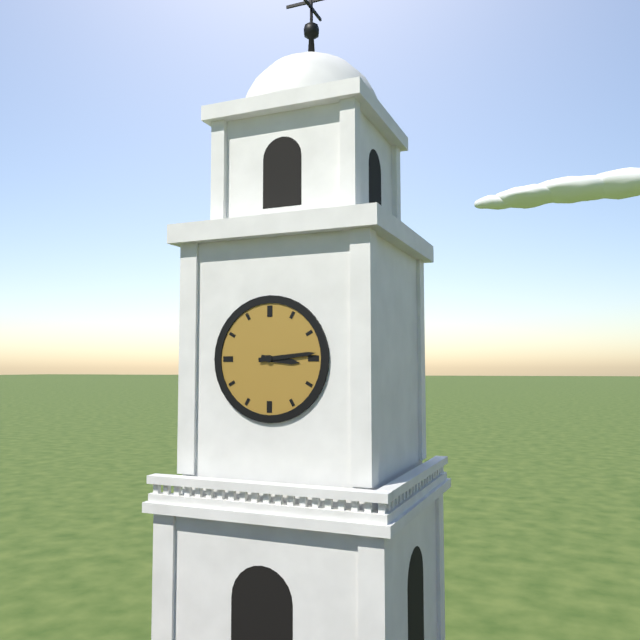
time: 3:14
